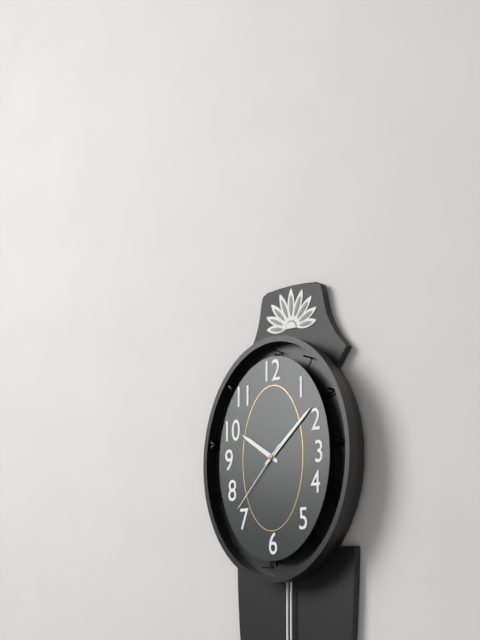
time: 10:08:37
